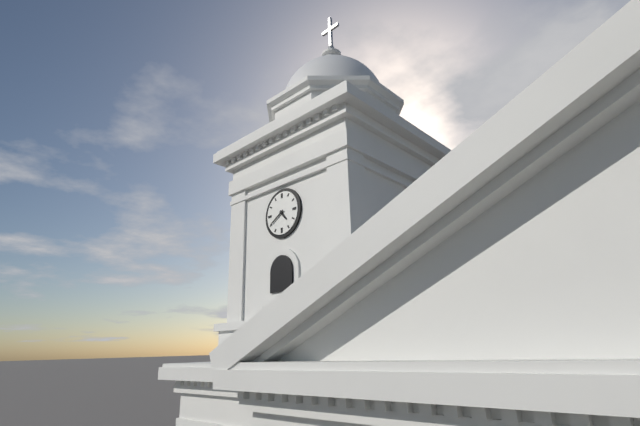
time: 4:40
